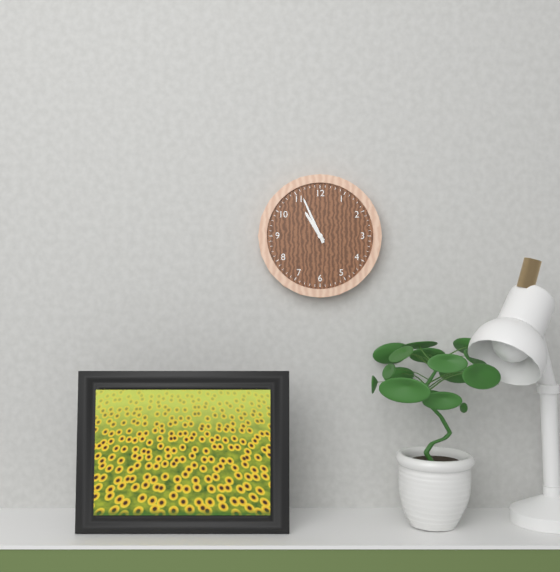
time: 10:56
